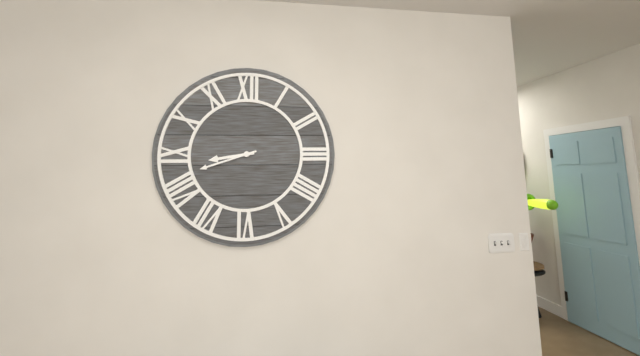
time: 8:42
